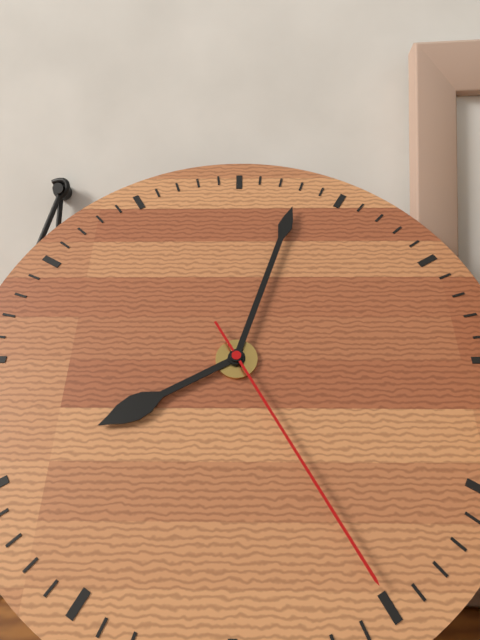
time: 8:03:25
